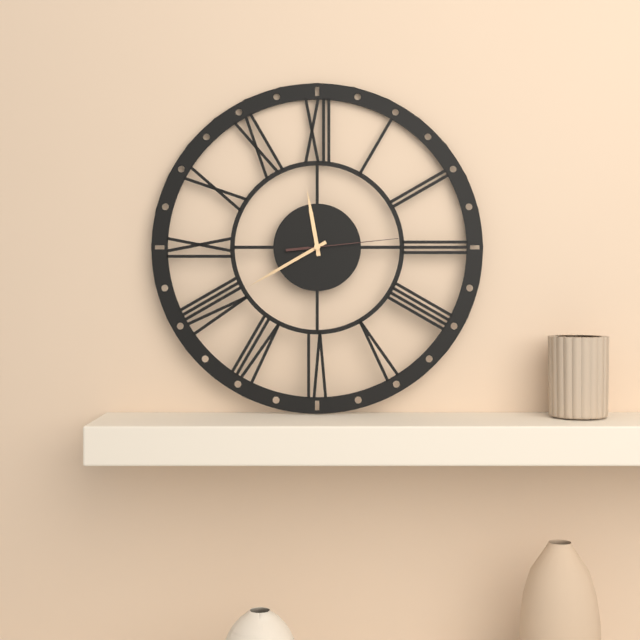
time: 11:40:14
